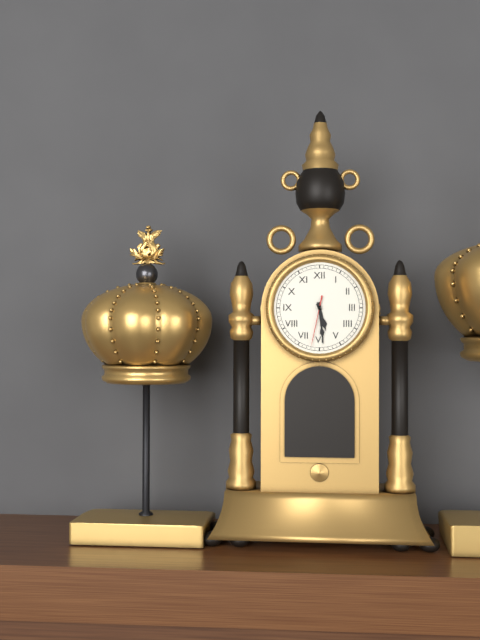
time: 5:29
